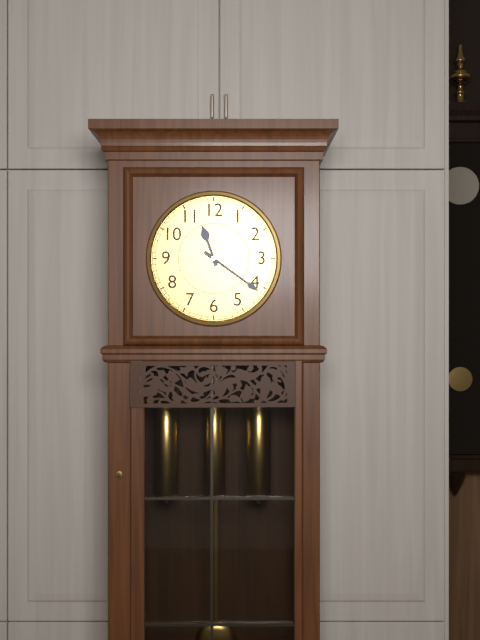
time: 11:21
